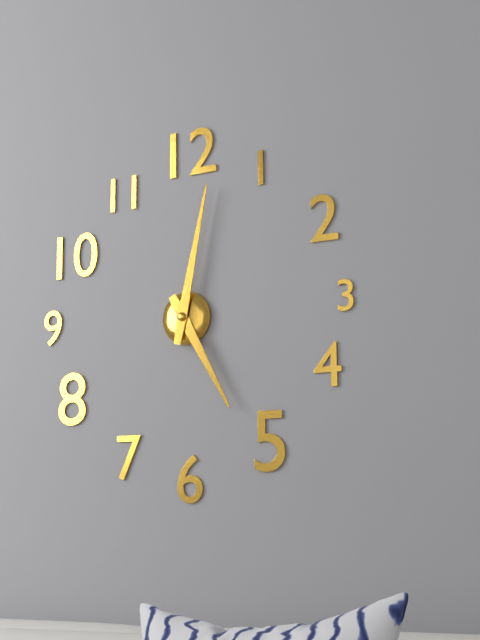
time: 5:02
